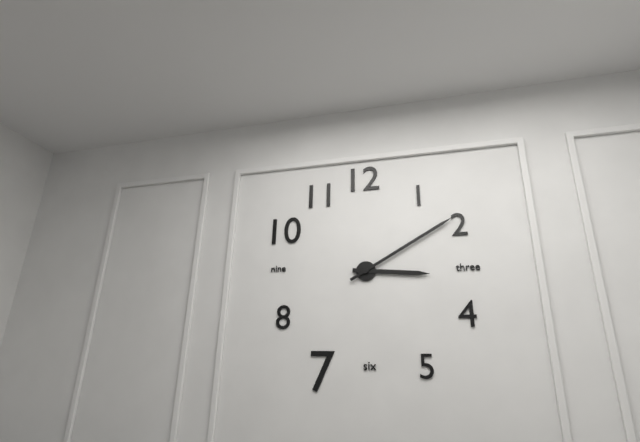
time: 3:10
